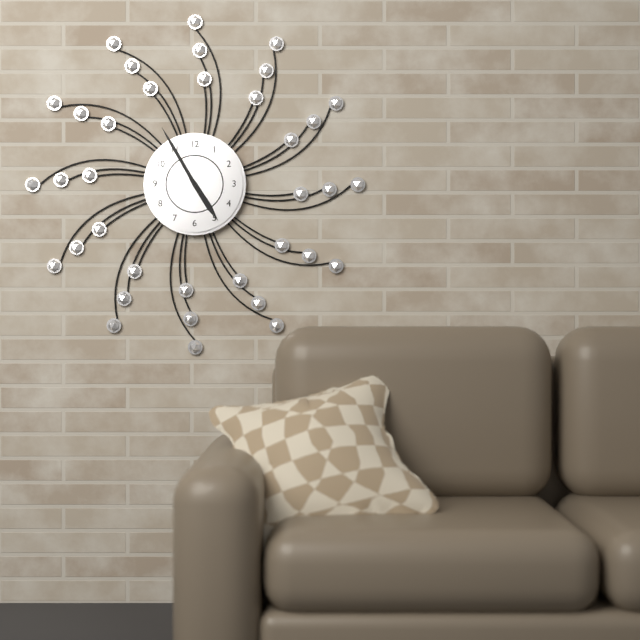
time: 4:55
